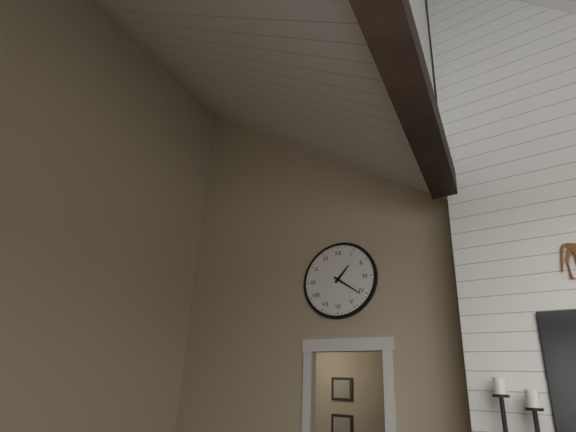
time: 1:21
